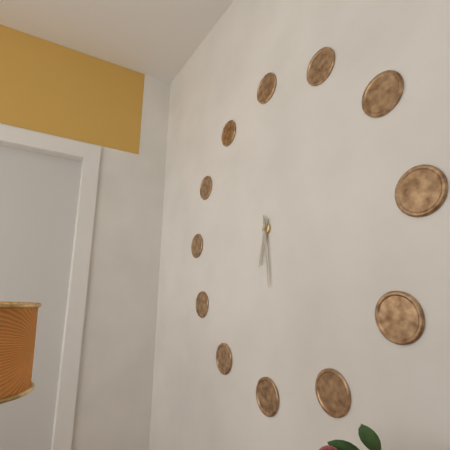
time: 6:29
